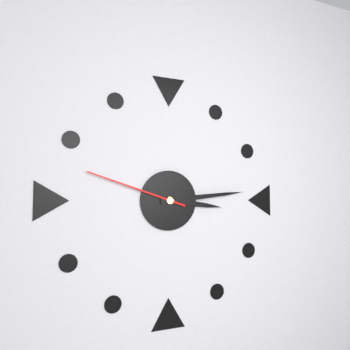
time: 3:14:48
